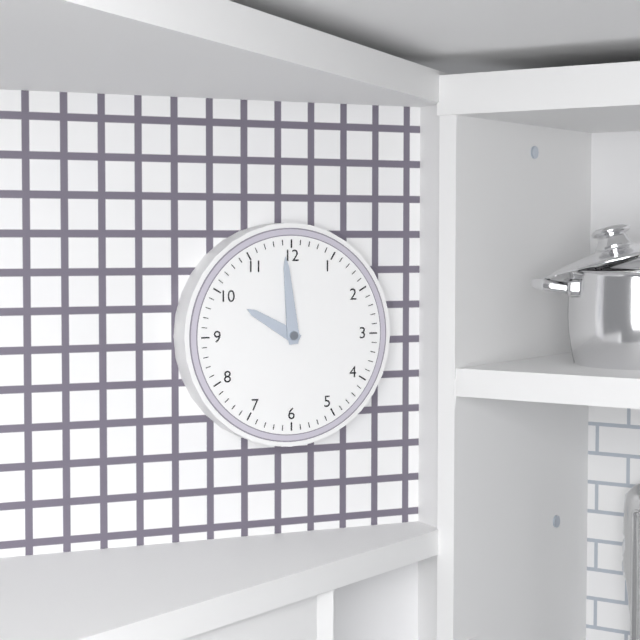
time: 9:59
